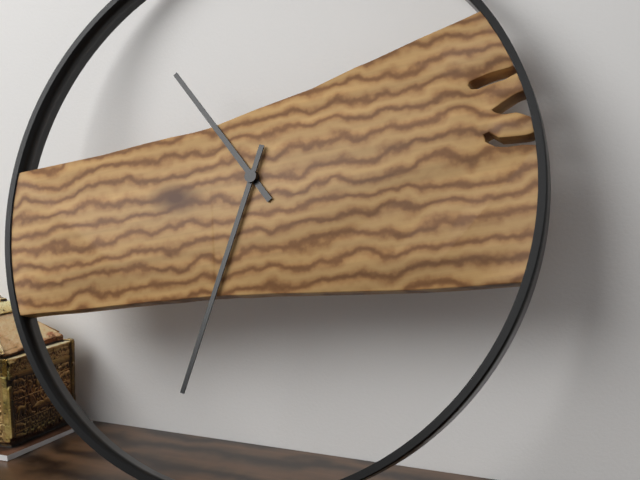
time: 10:32
